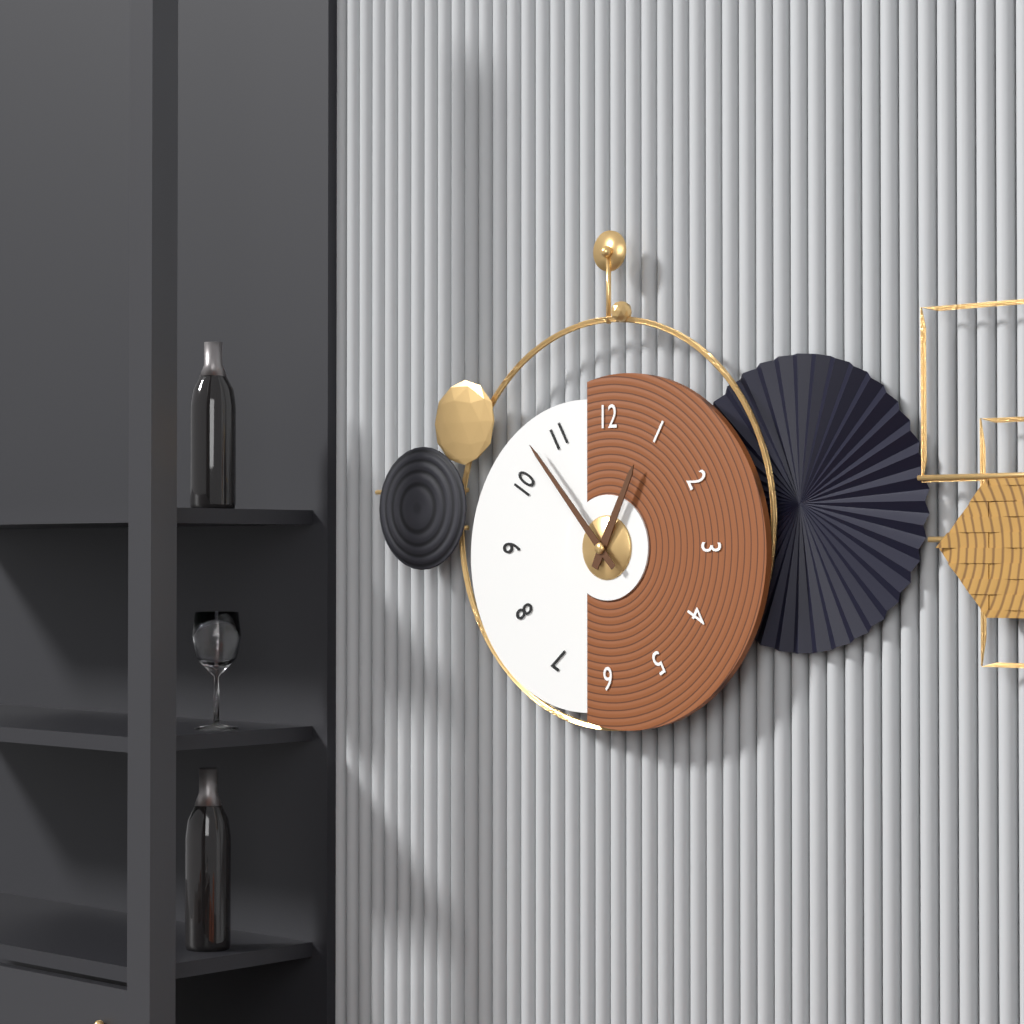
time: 12:53
